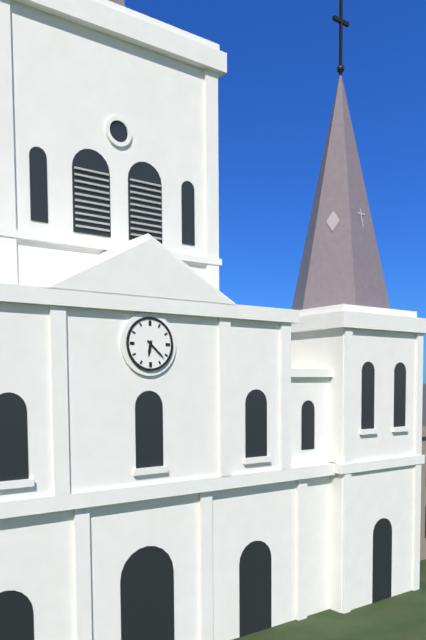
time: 6:22
